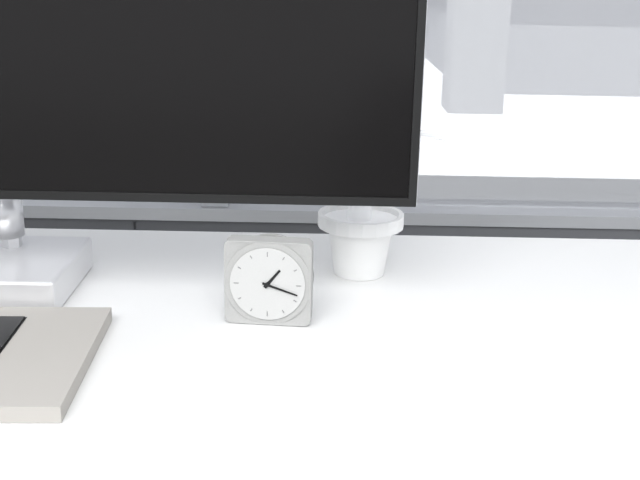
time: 1:18
